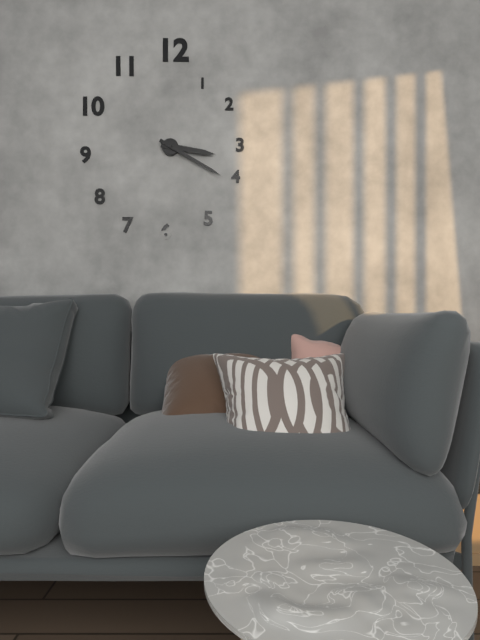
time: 3:20
